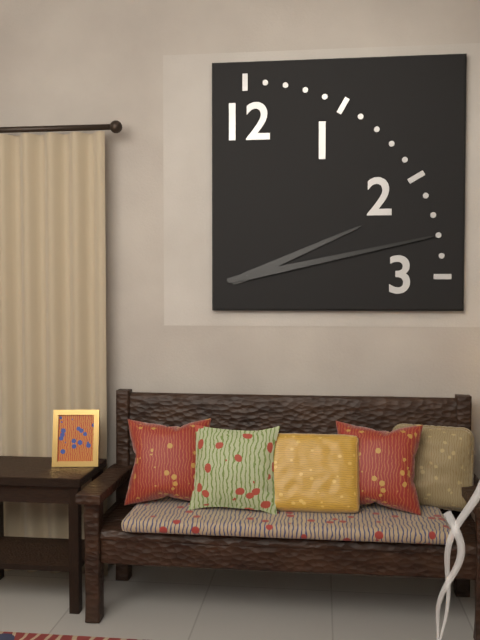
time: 2:13
